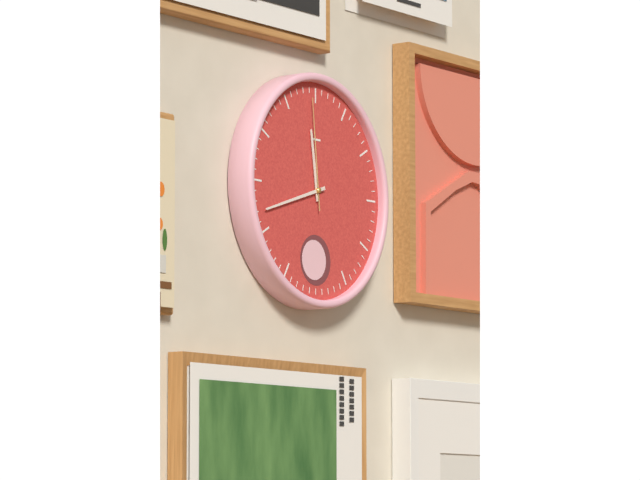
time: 11:42:59
